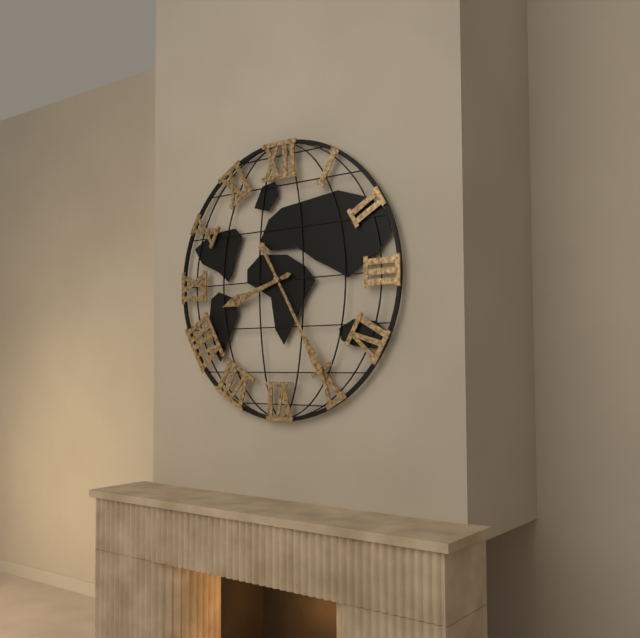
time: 8:25
